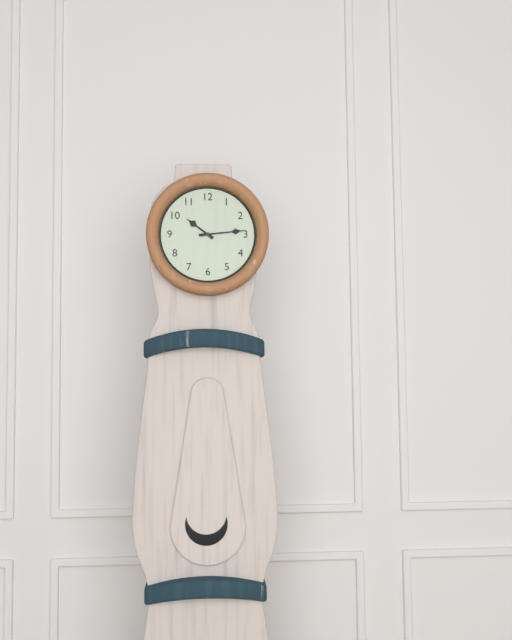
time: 10:14
